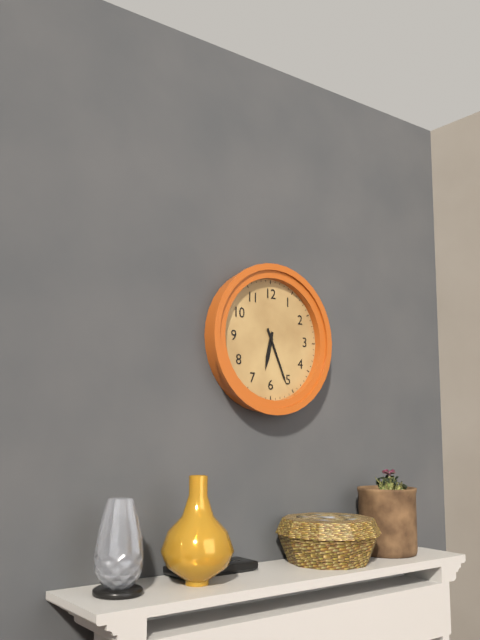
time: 6:26
